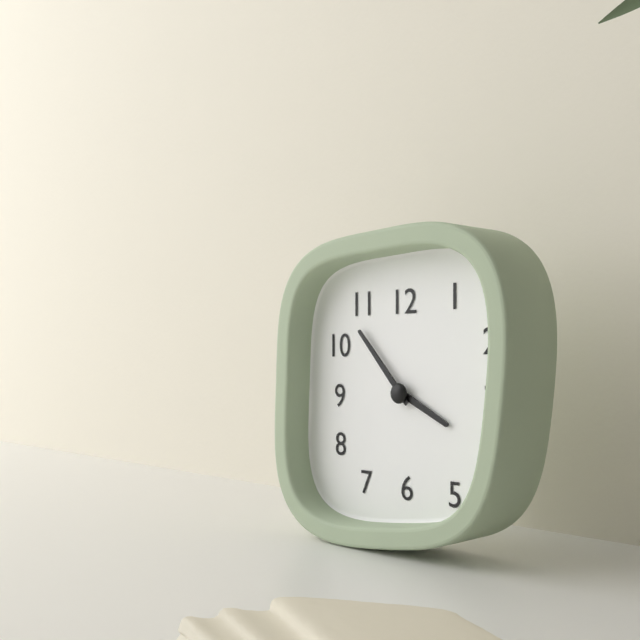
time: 3:53
